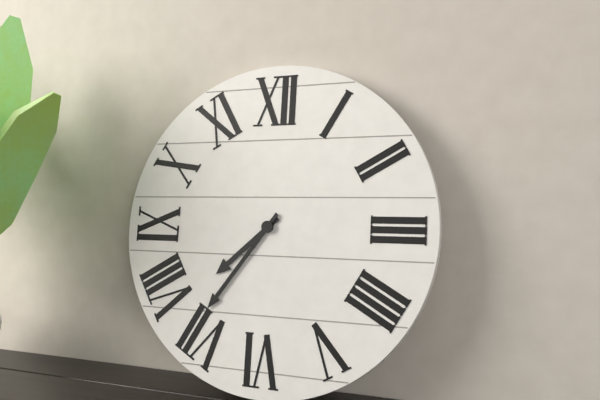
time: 7:36
